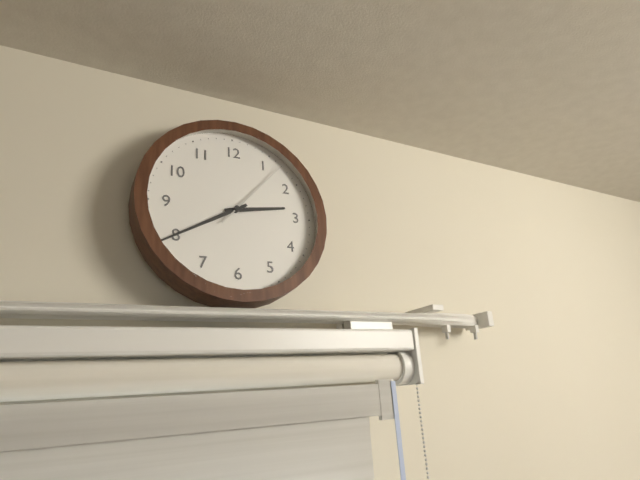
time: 2:40:07
